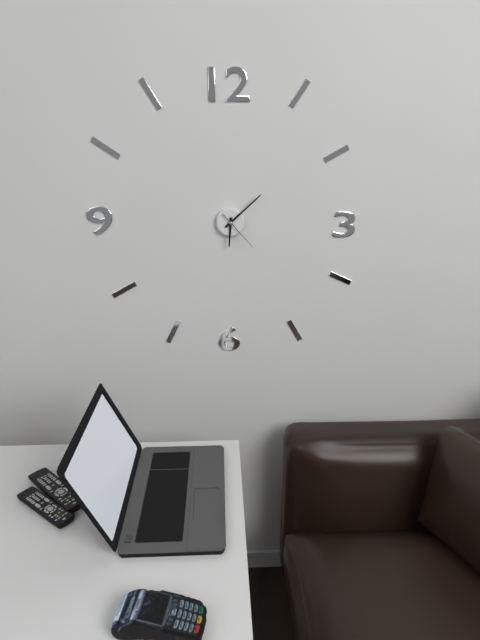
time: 6:08
